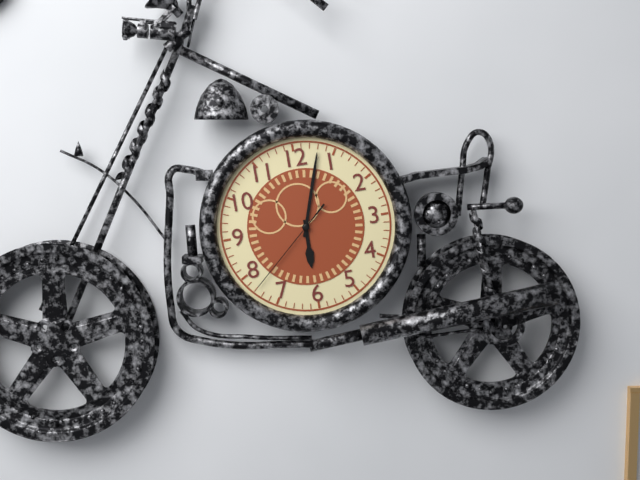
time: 6:03:38
